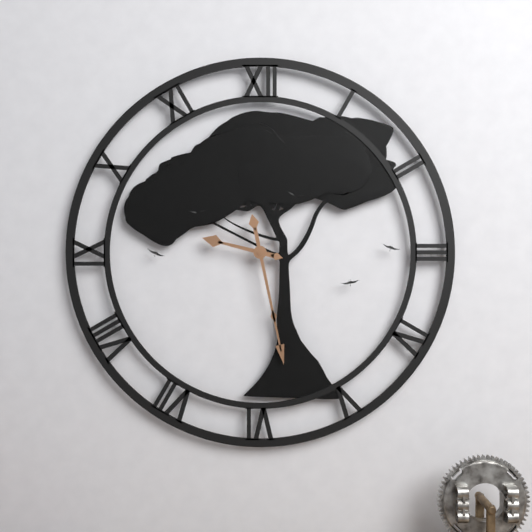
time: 9:28
